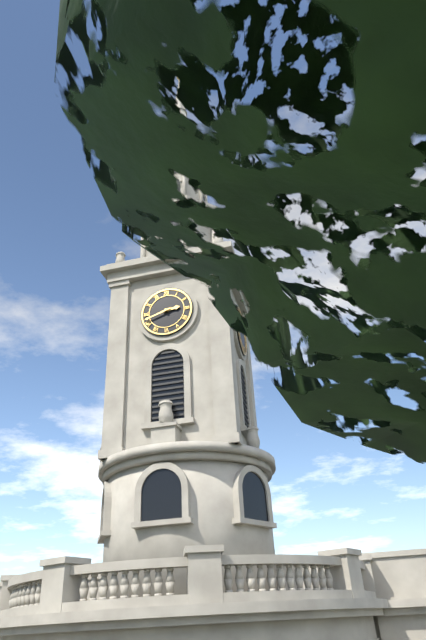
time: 2:42
